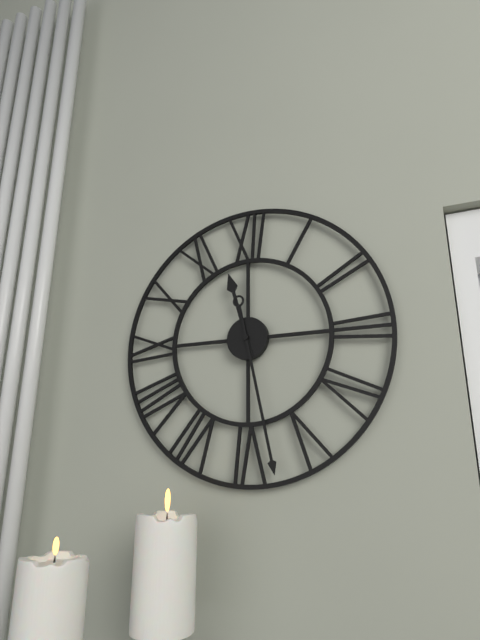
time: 11:28
